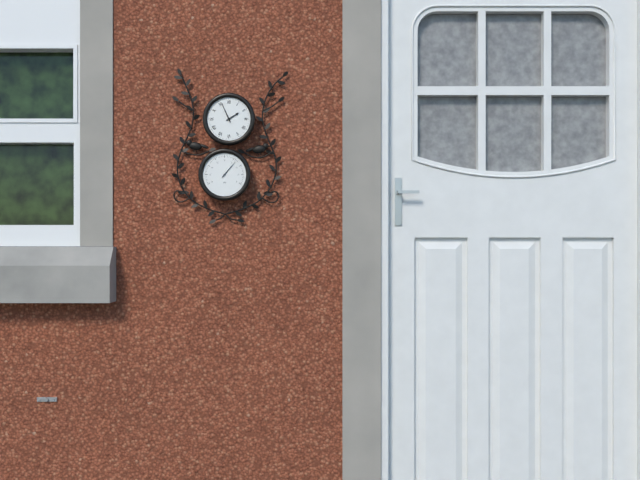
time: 1:56
